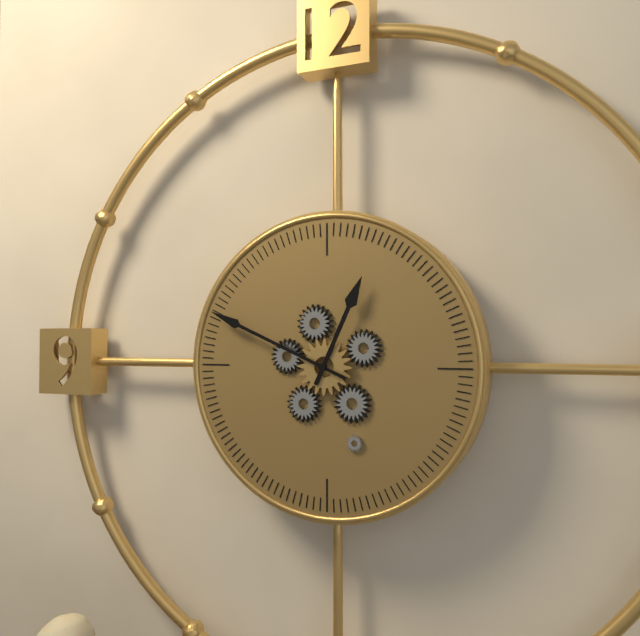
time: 12:49
